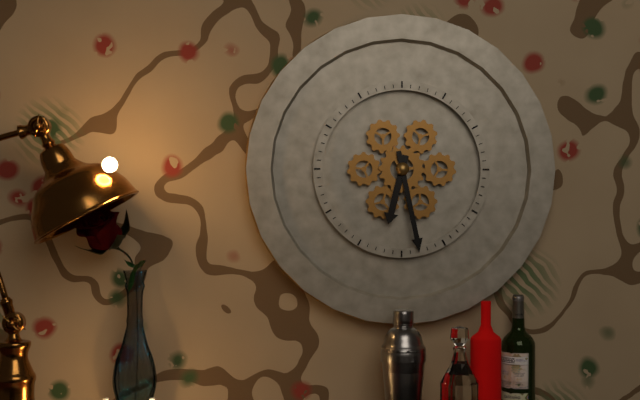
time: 6:28
